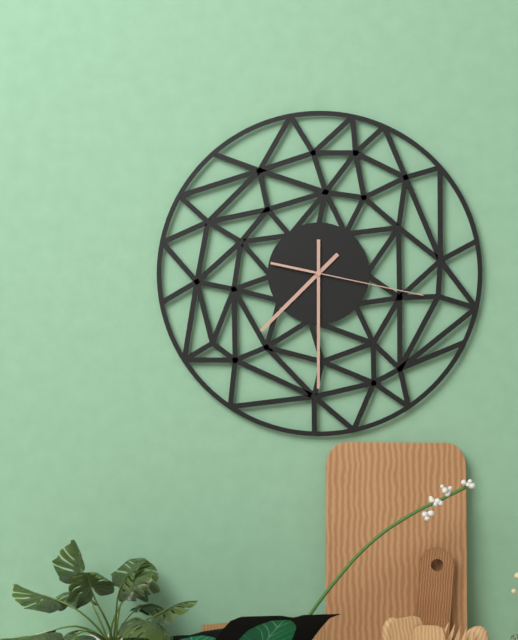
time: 7:30:17
